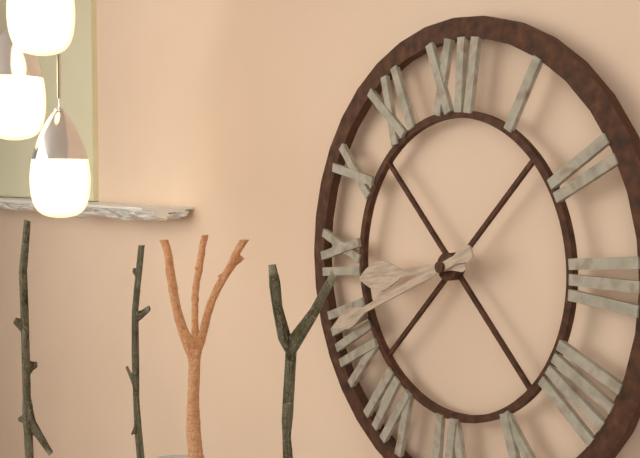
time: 8:41
